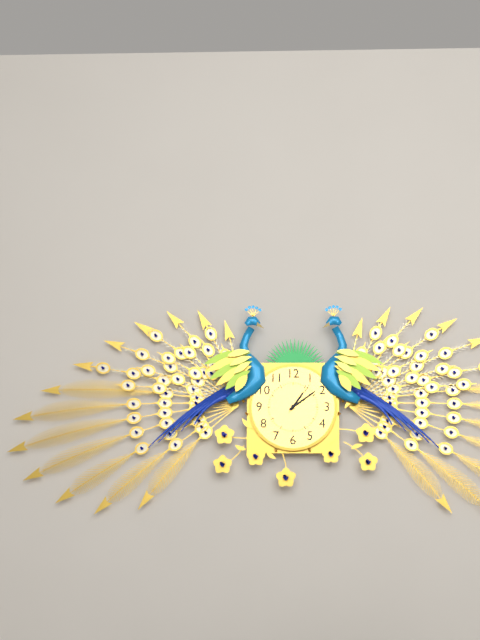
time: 1:09
